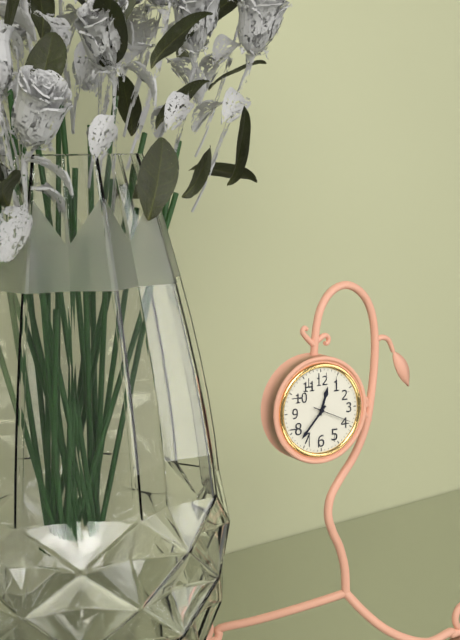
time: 12:37
